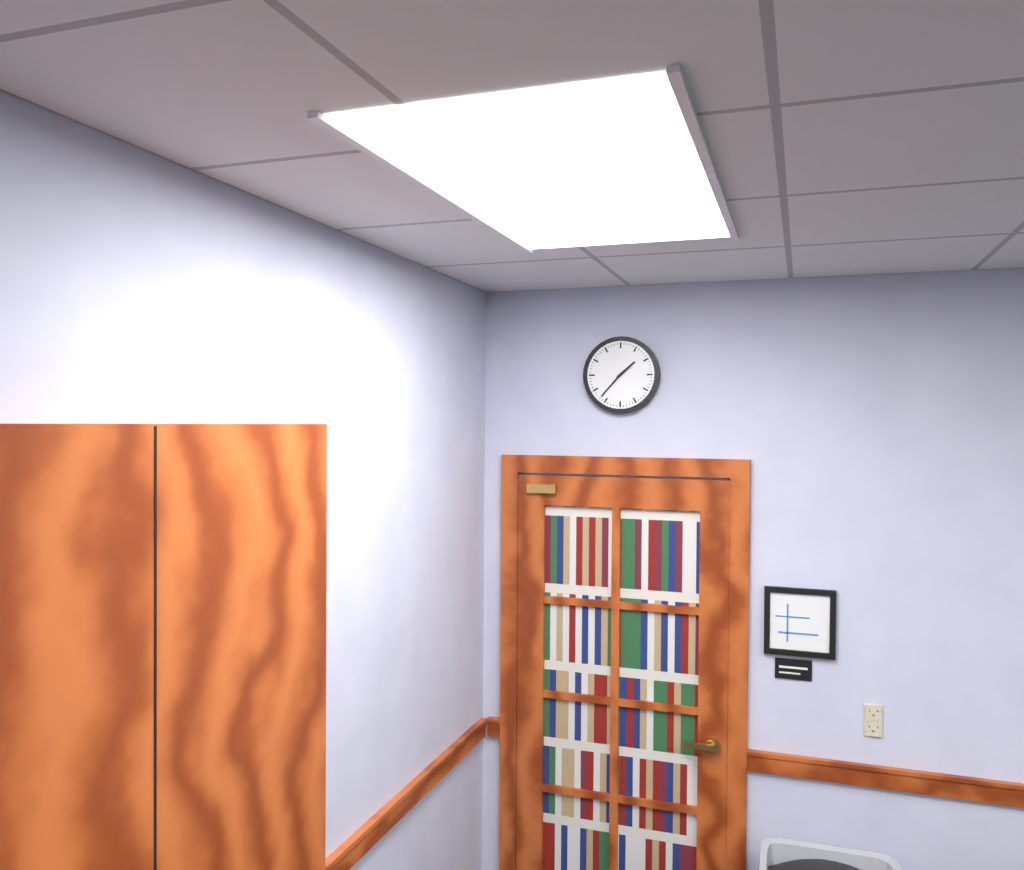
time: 1:37
